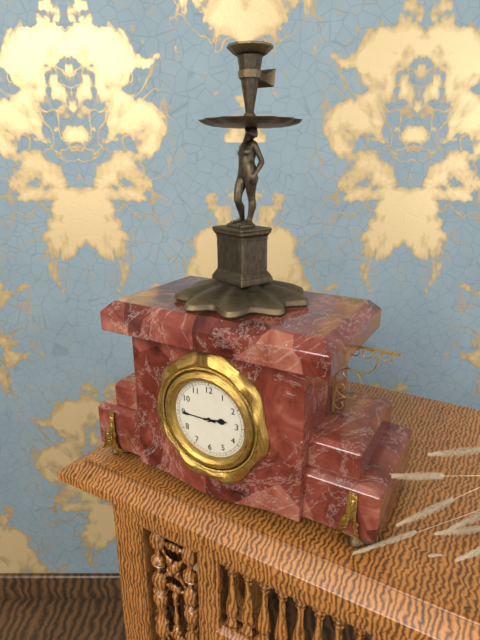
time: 2:45
